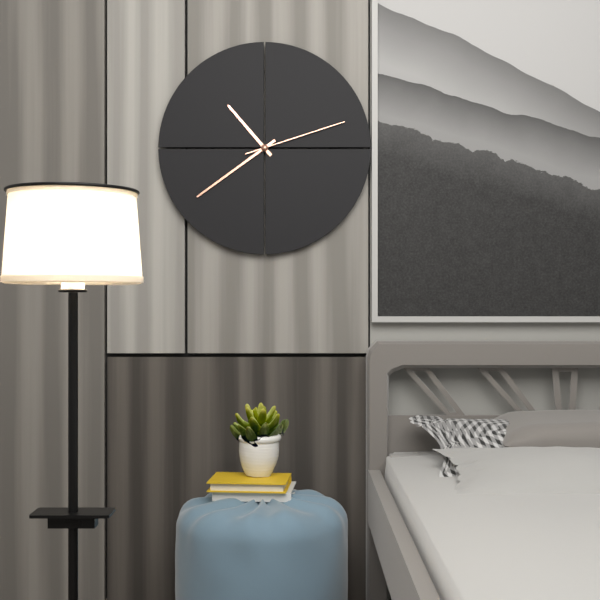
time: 10:39:12
